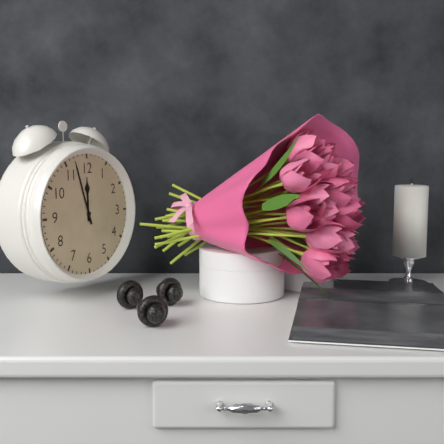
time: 11:57
